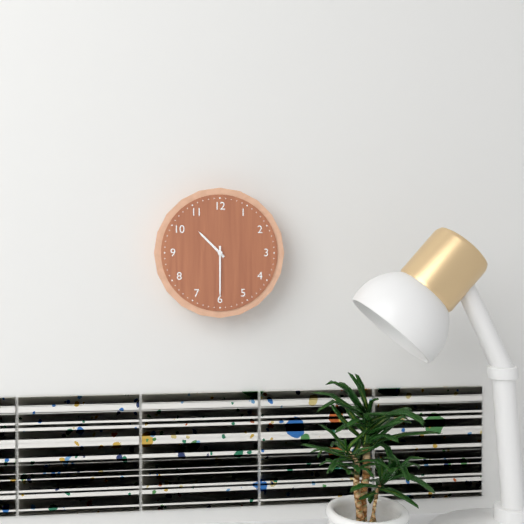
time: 10:30
